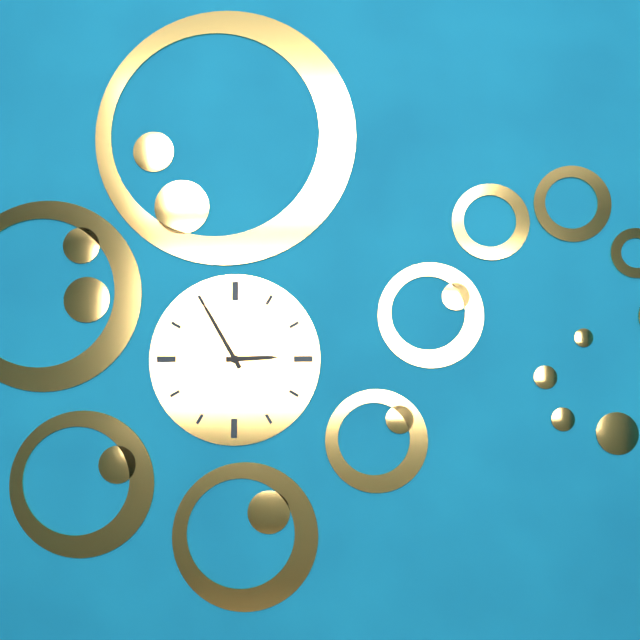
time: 2:55
